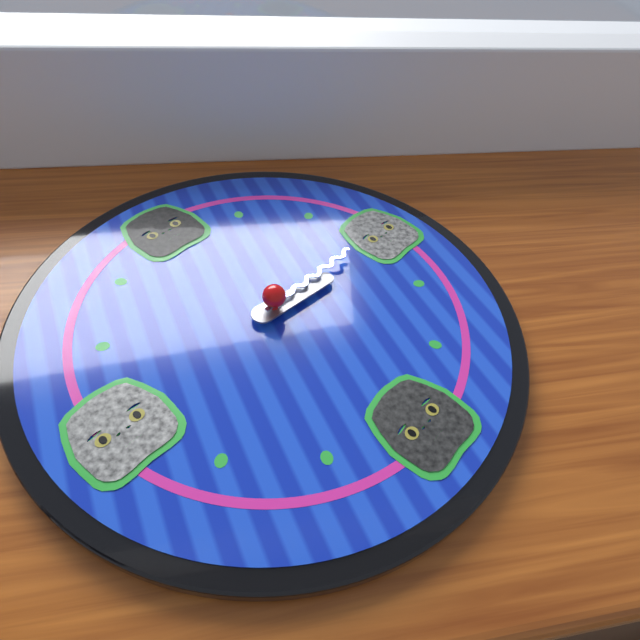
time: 3:15
